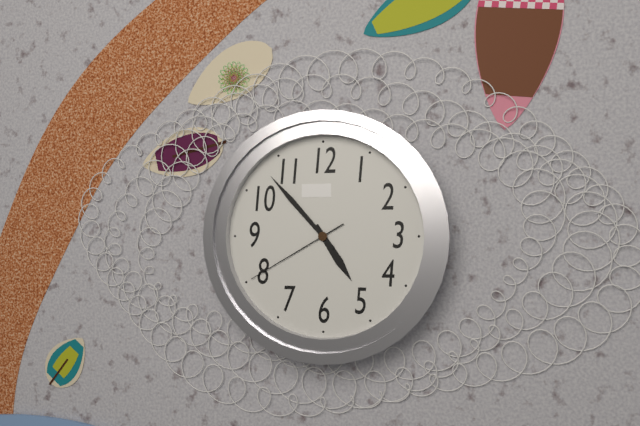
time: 4:53:40
